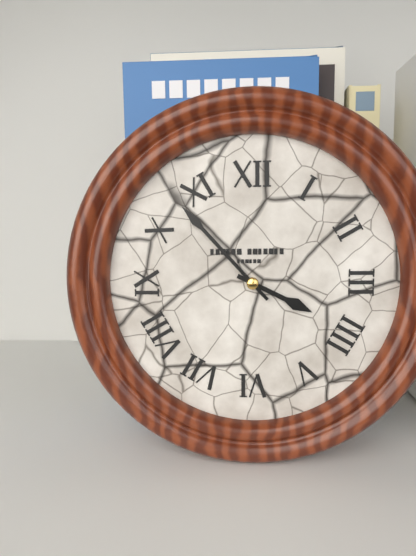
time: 3:53
